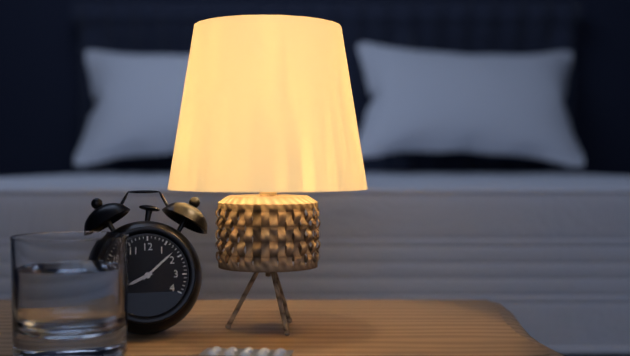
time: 8:08
